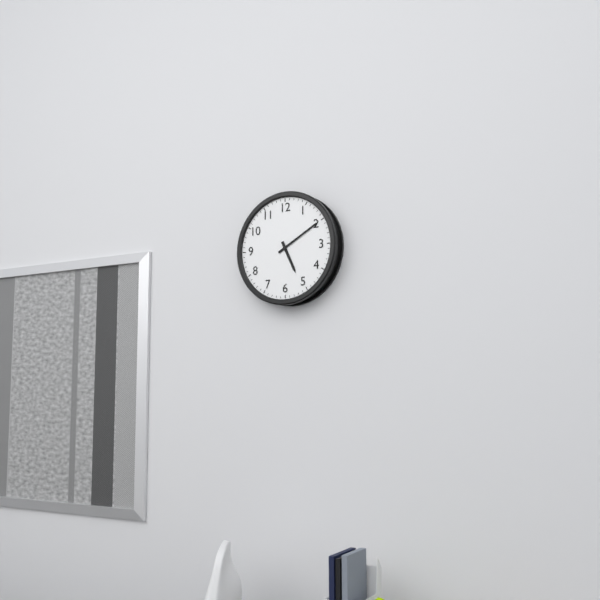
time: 5:10
